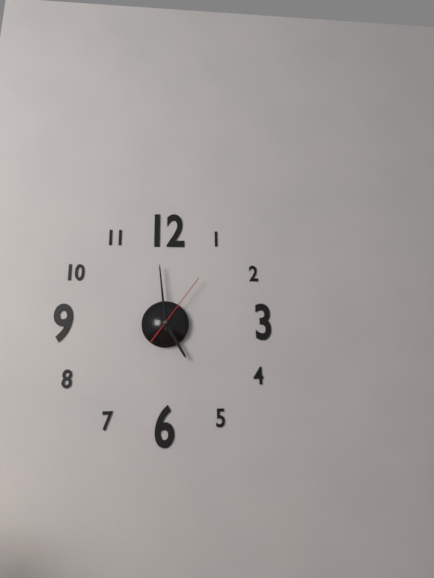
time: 4:59:06
